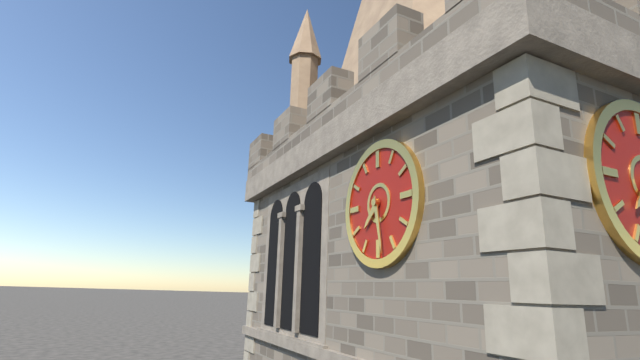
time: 7:28
